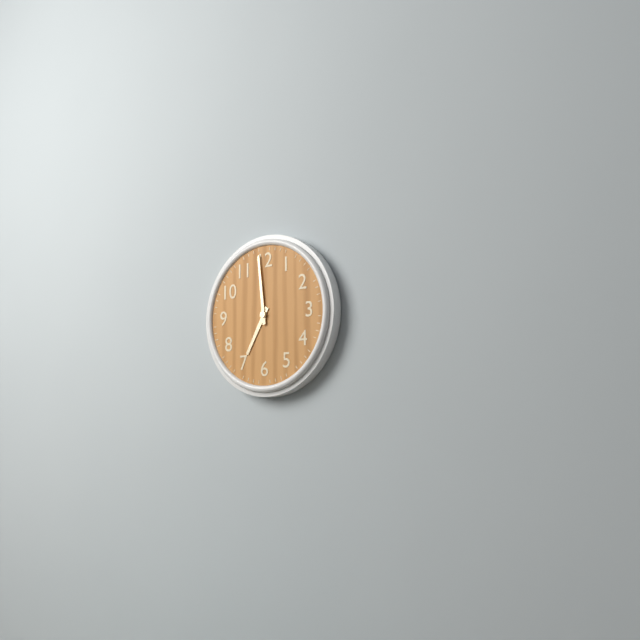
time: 6:59
